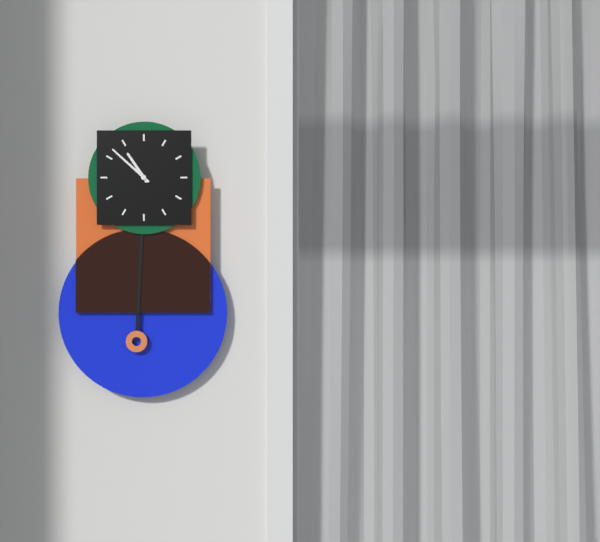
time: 10:52
